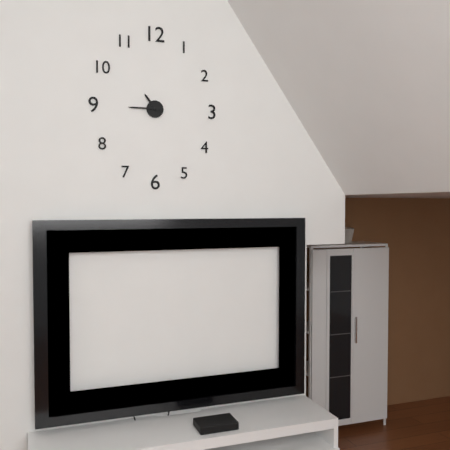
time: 10:45
